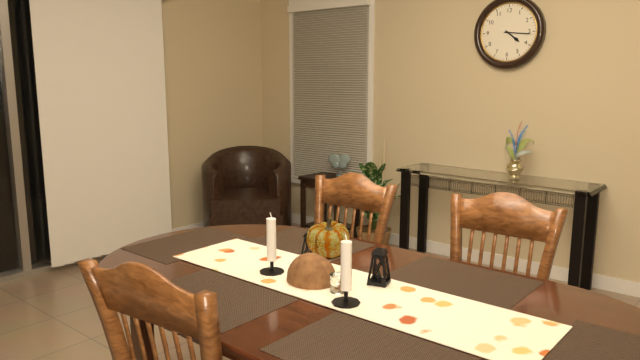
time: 4:16
